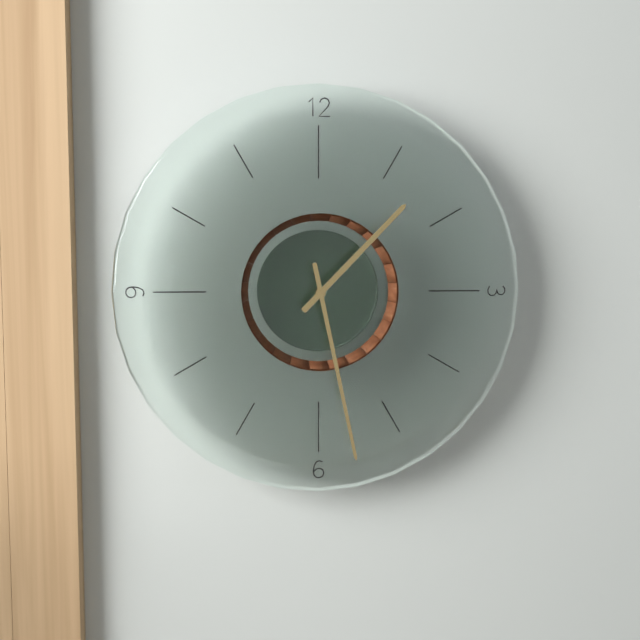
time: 1:28
